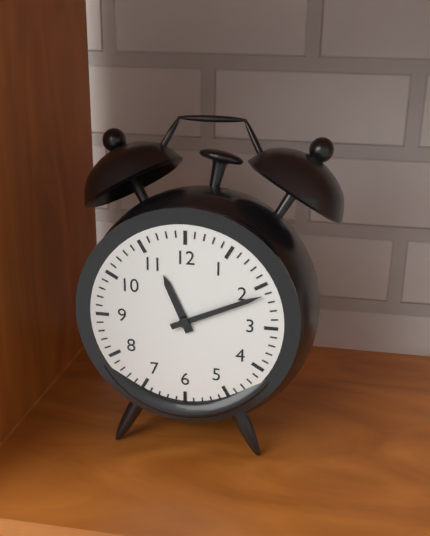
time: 11:11
